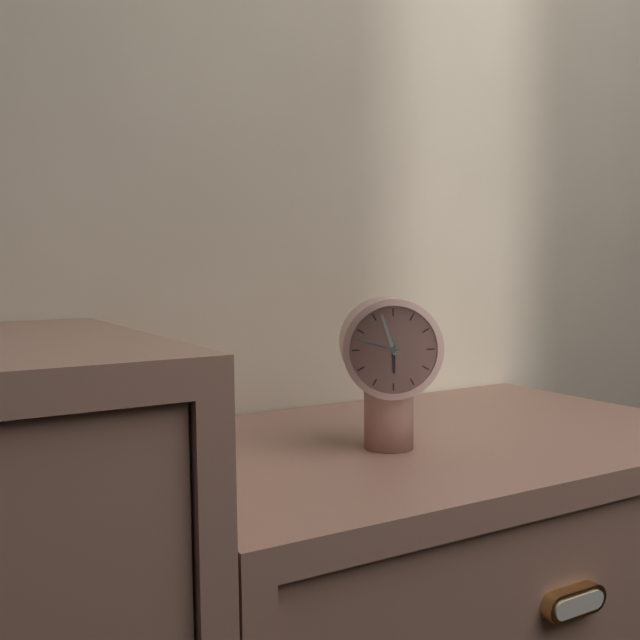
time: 5:57:48
